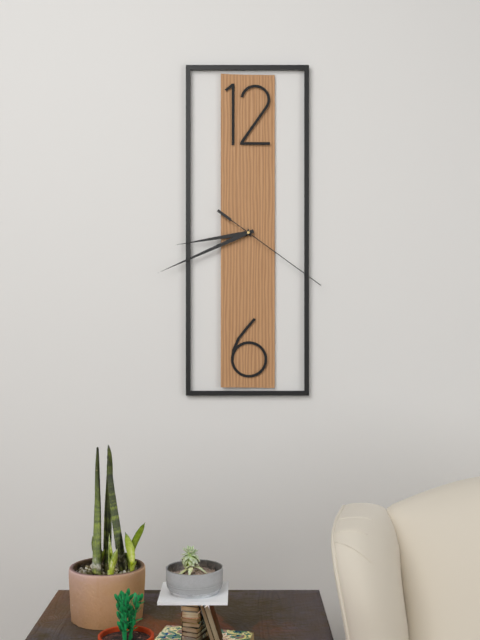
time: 8:41:21
